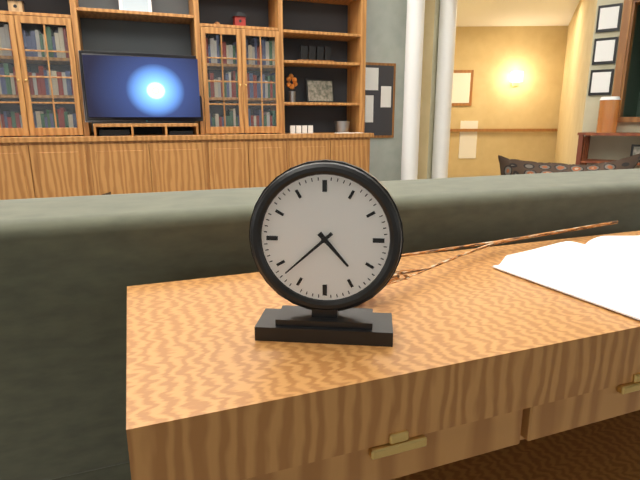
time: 4:38
